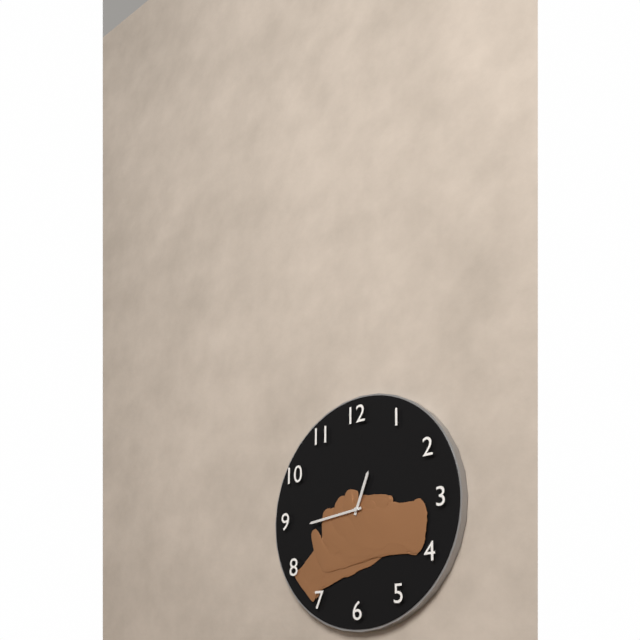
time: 12:44
